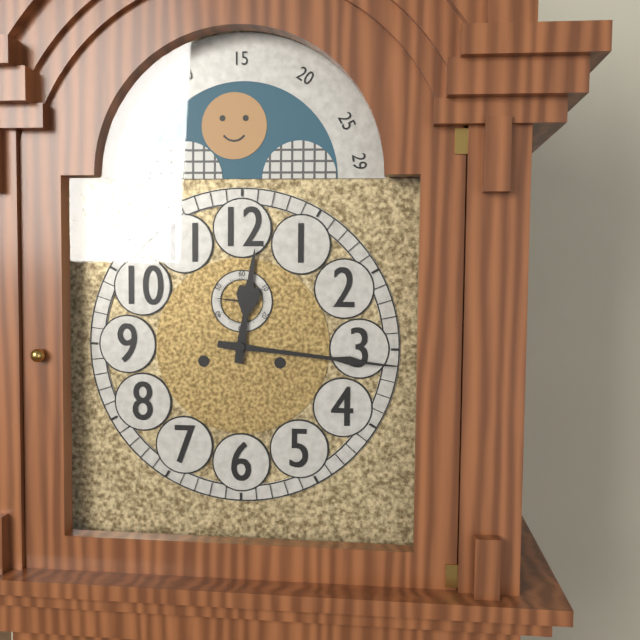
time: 12:16
